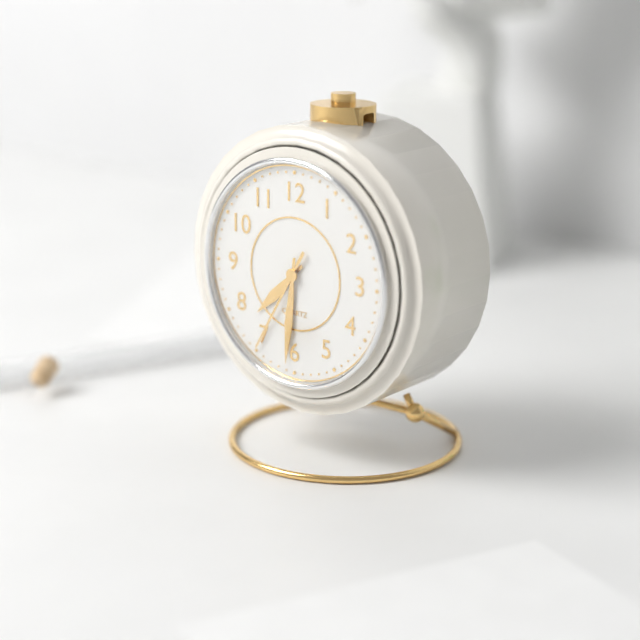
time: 7:31:35
